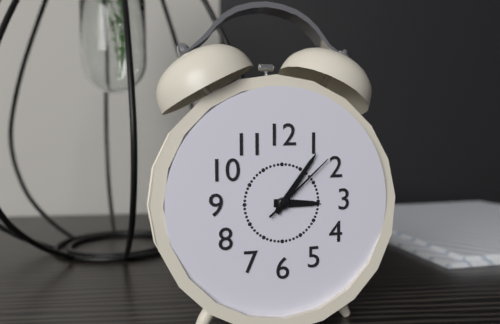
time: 3:06:08
